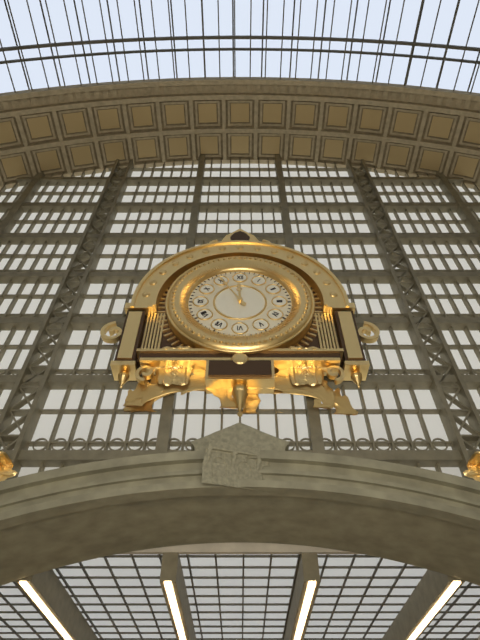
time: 11:55
